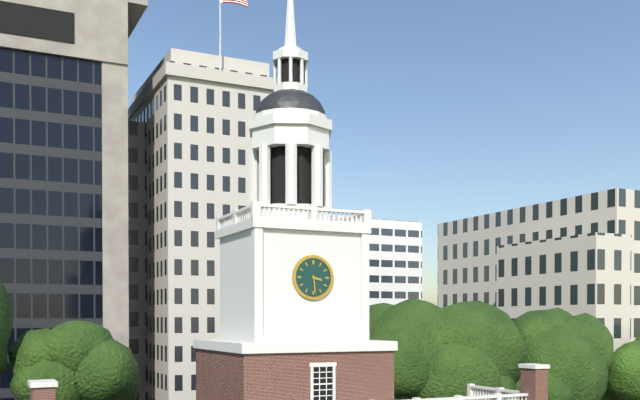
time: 3:29
